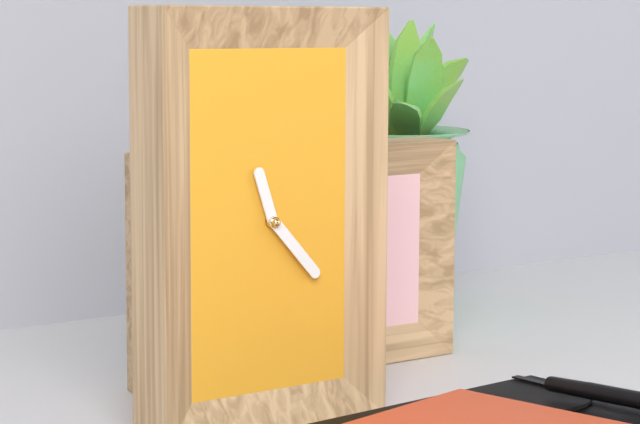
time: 11:23
